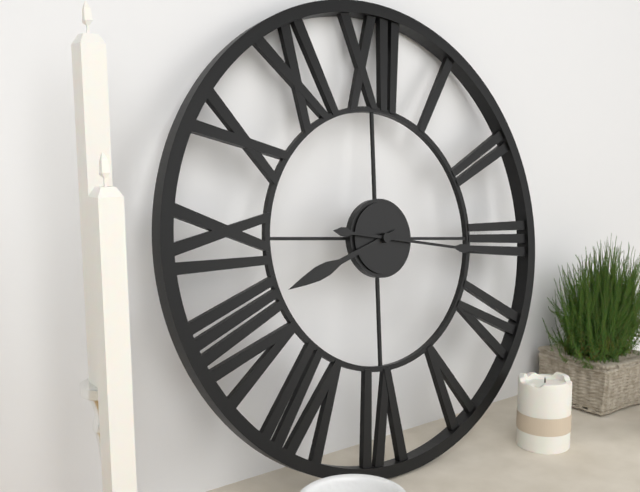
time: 8:16
